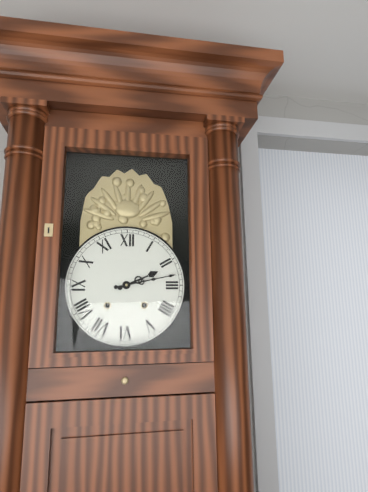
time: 2:13
